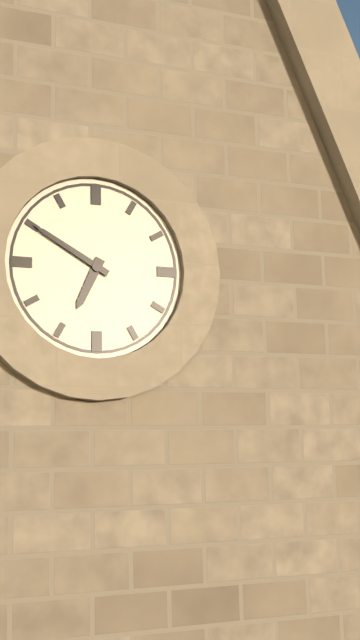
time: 6:50
